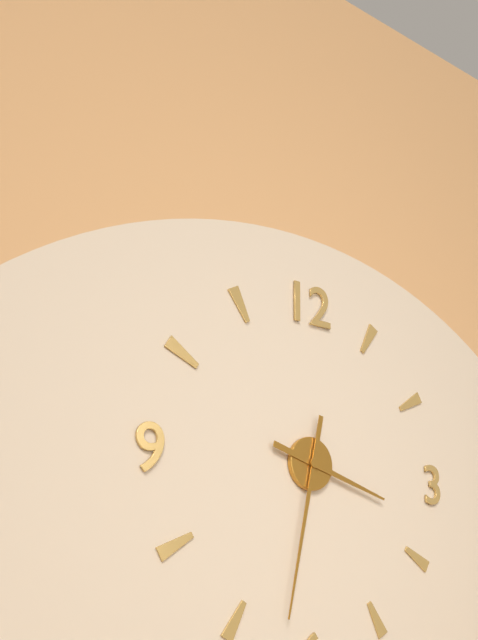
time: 3:32
